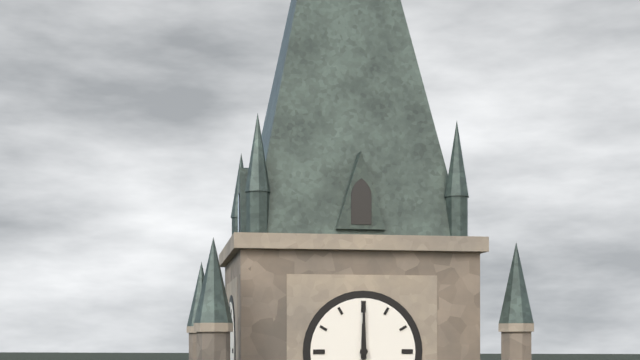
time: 12:00
